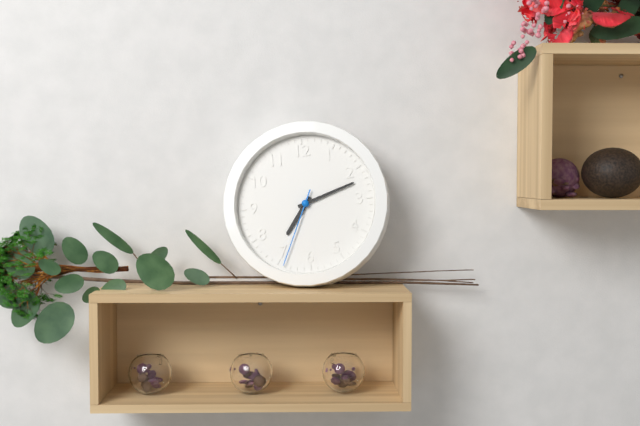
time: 7:12:34
